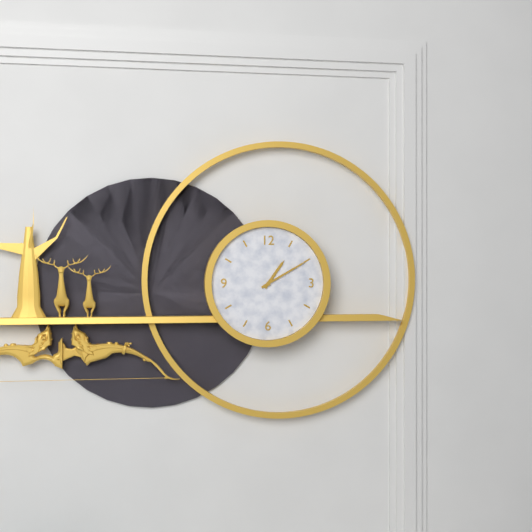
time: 1:10
